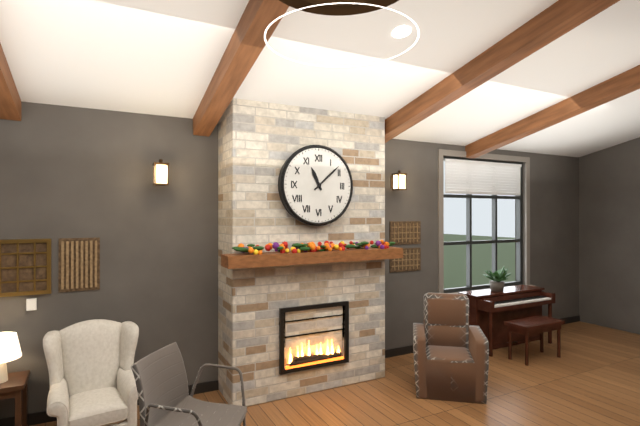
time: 11:08
